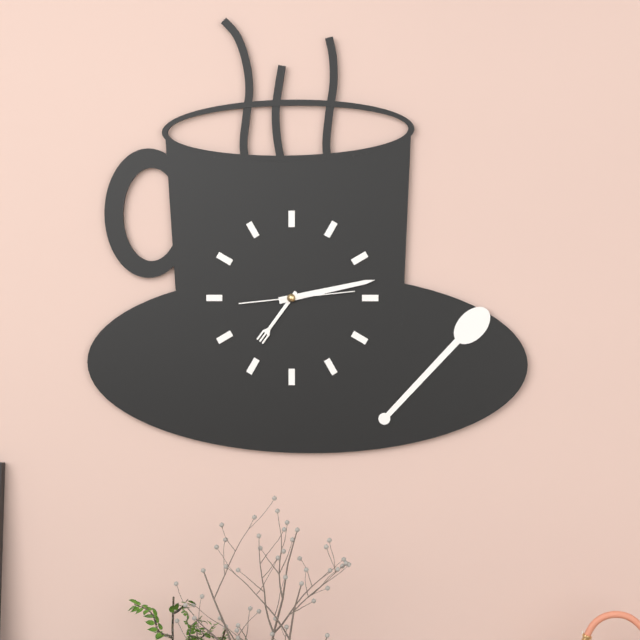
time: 7:13:14
